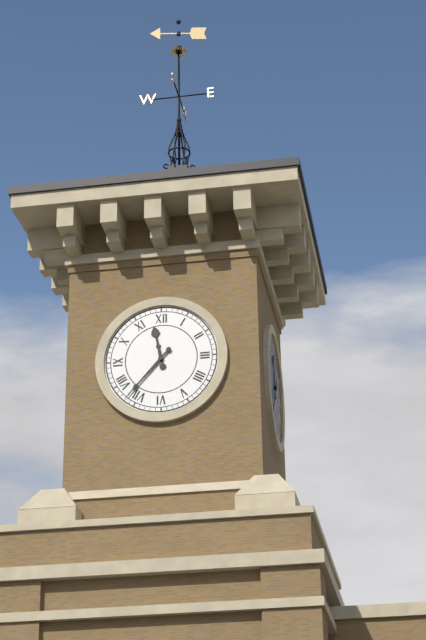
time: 11:37
